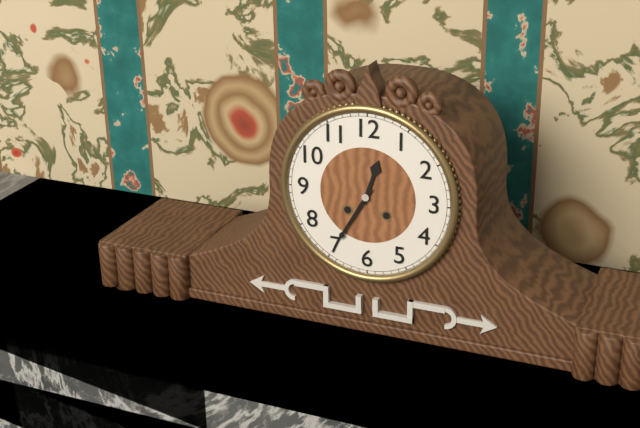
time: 12:35
